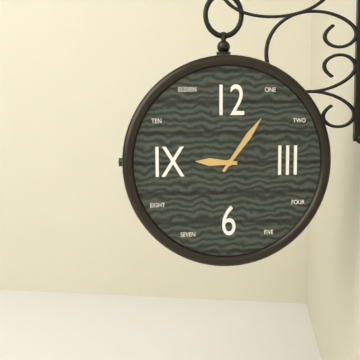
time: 9:06
